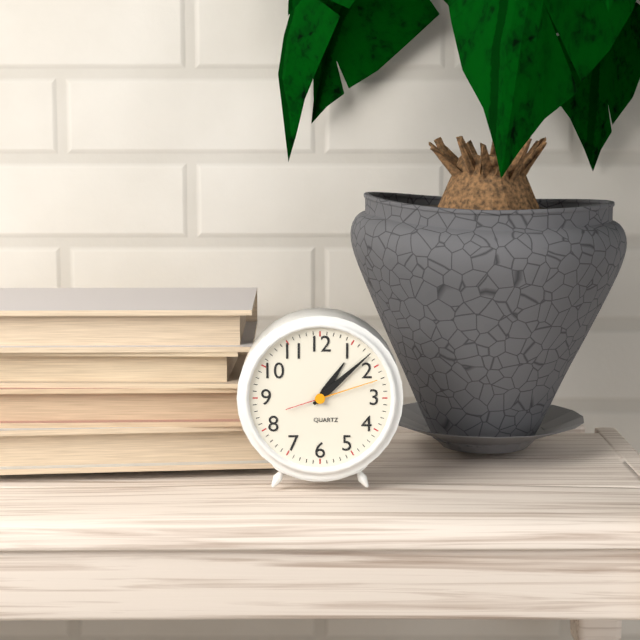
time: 1:08:12
